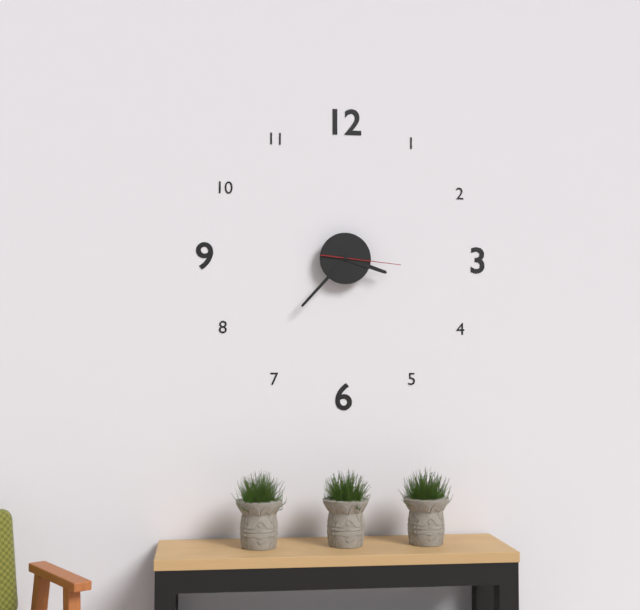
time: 3:37:16
